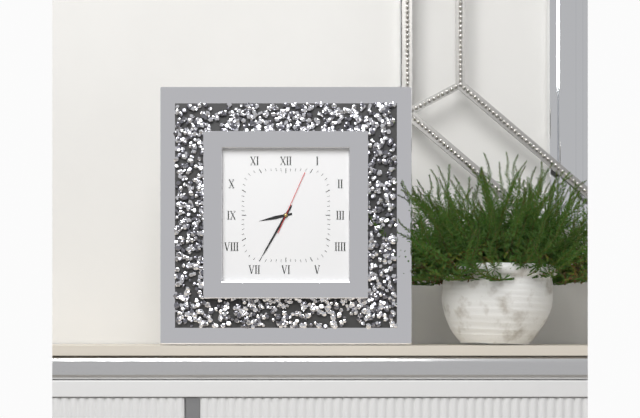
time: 8:35:04
